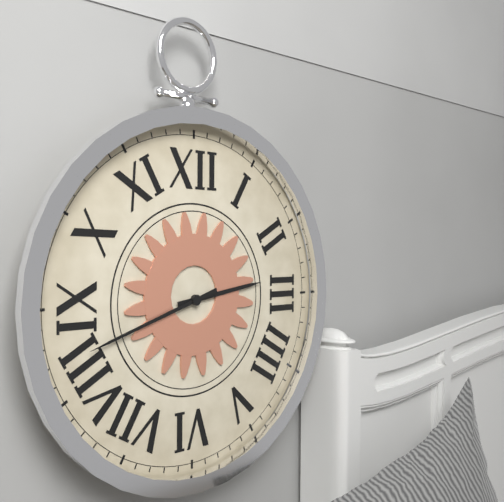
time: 2:42
